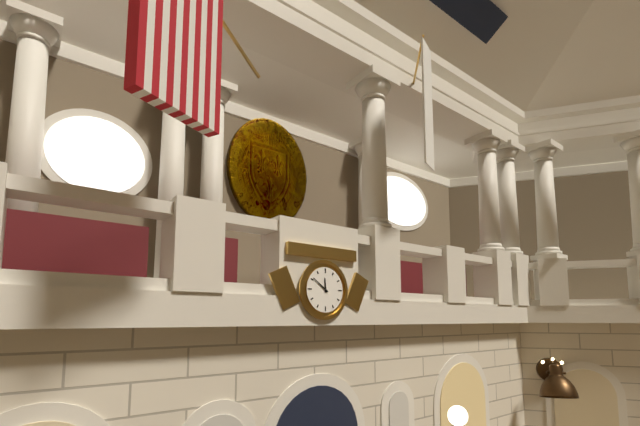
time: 11:51
